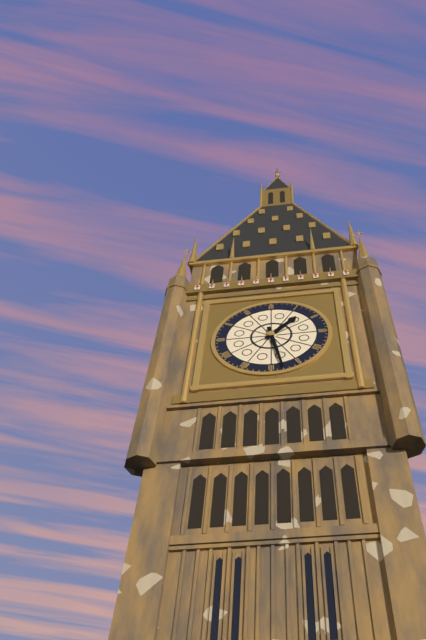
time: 1:28
